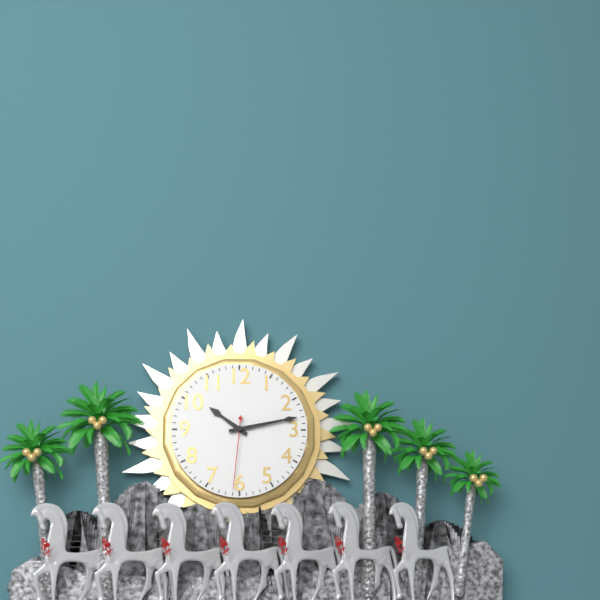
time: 10:13:31
